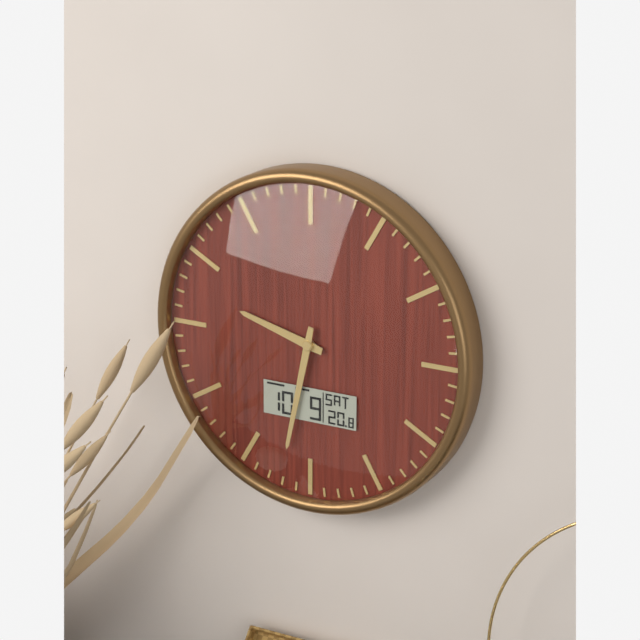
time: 9:32
